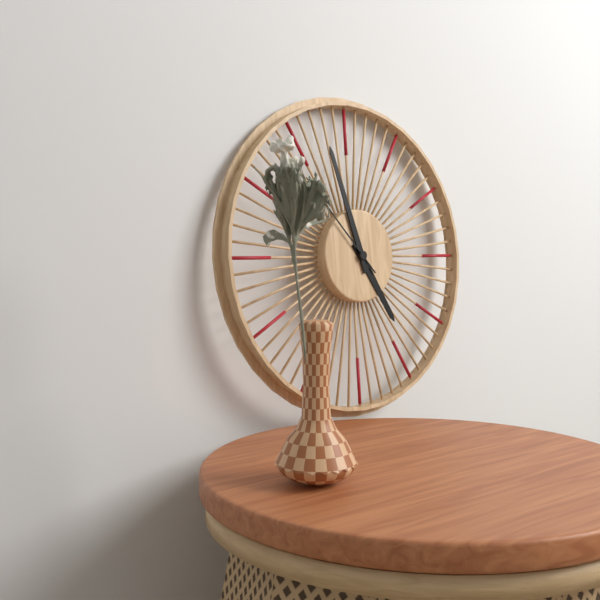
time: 4:57:53
